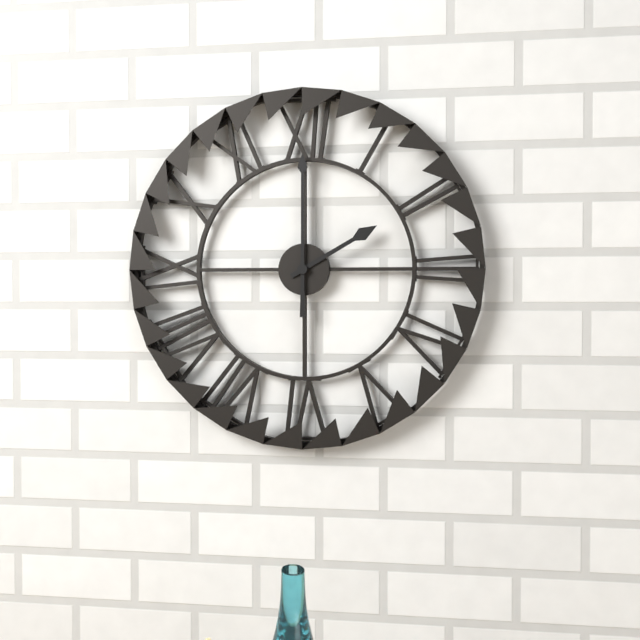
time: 2:00
